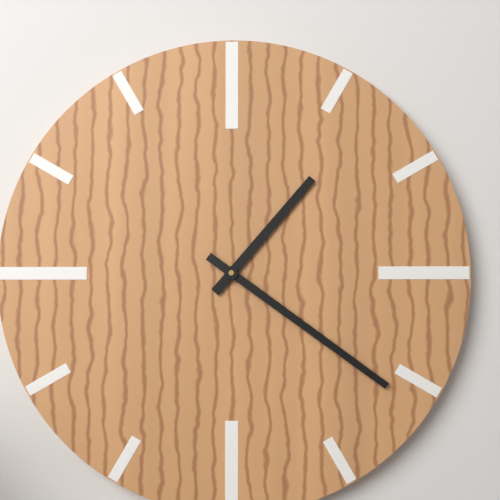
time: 1:21
